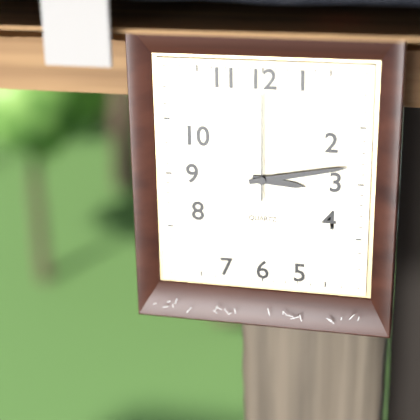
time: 3:13:00
